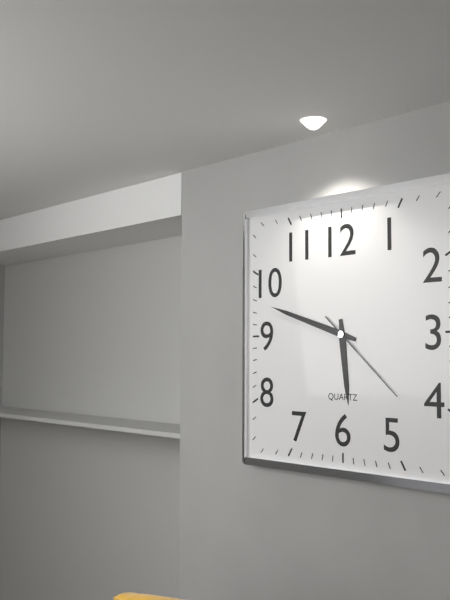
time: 5:48:22
